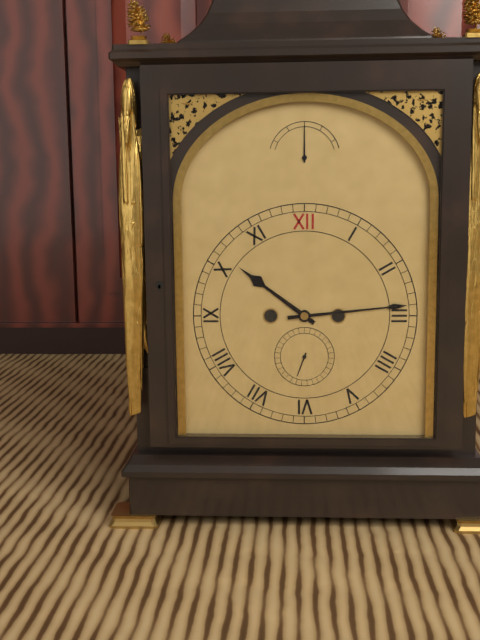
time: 10:14
